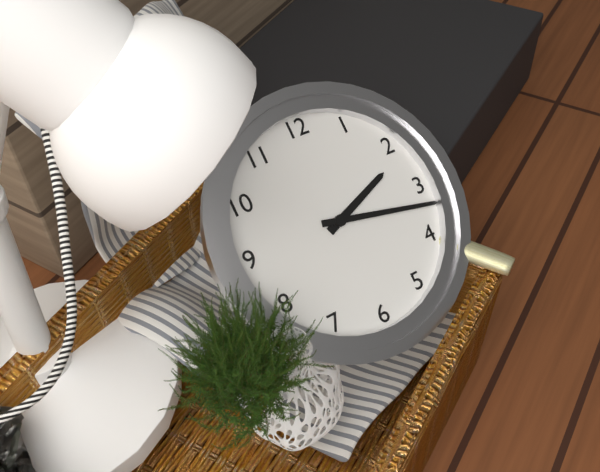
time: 2:17
